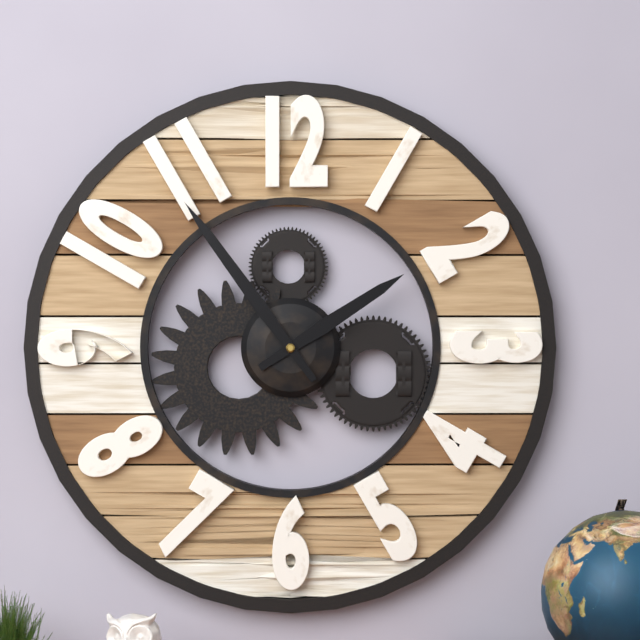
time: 1:54
